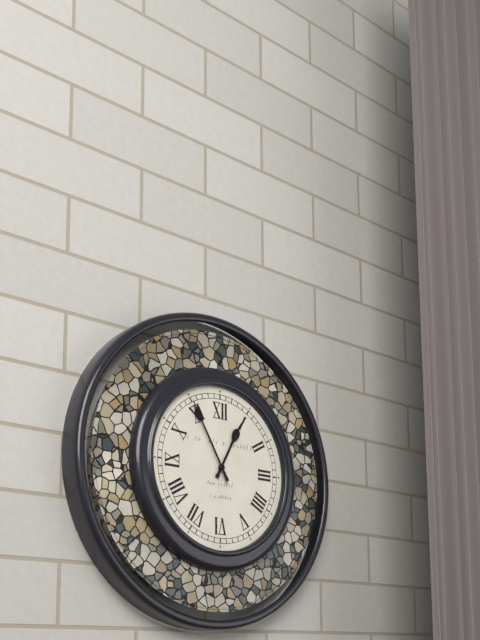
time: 12:55
